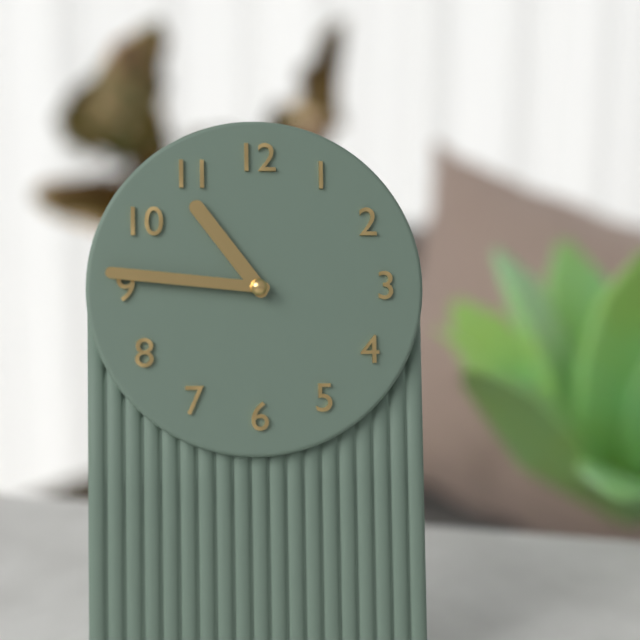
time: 10:46
